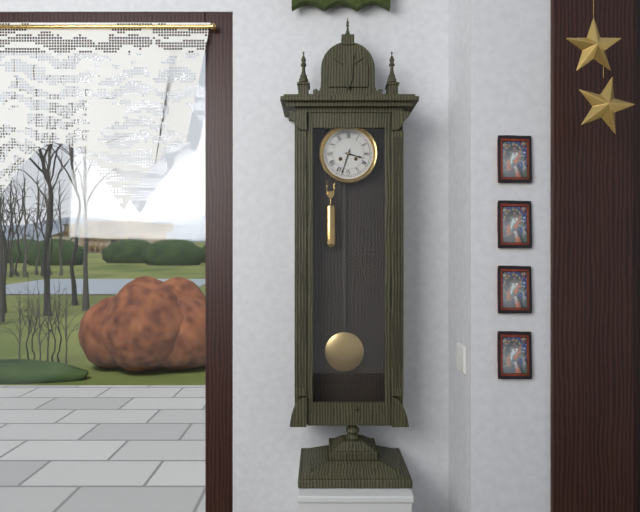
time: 3:33
